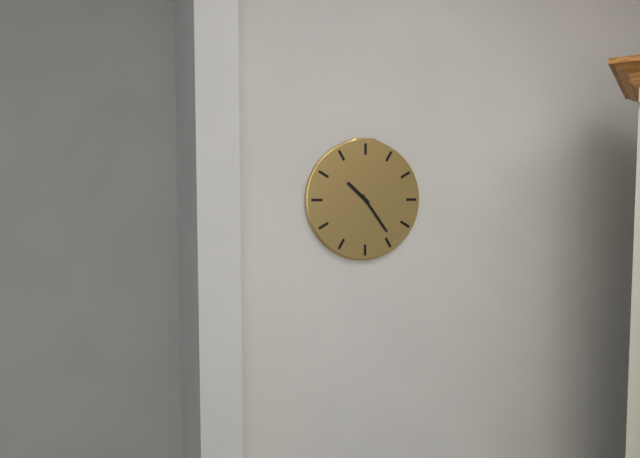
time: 10:24
